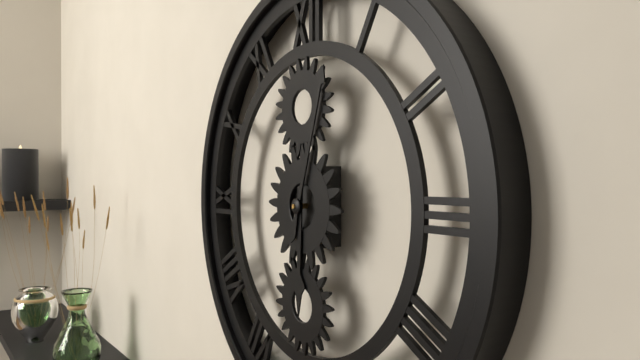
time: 6:03
